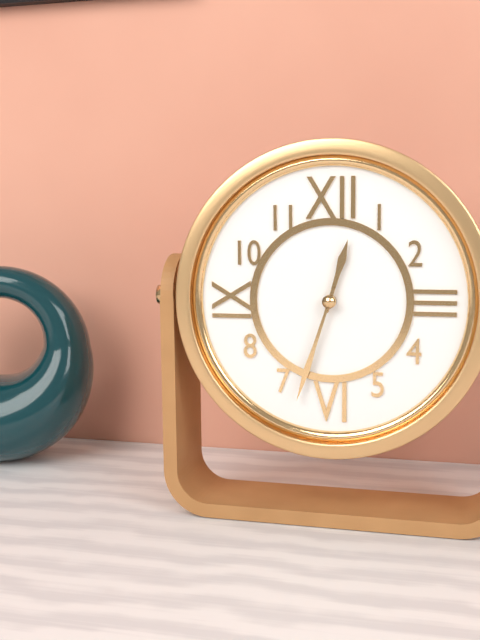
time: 12:33
